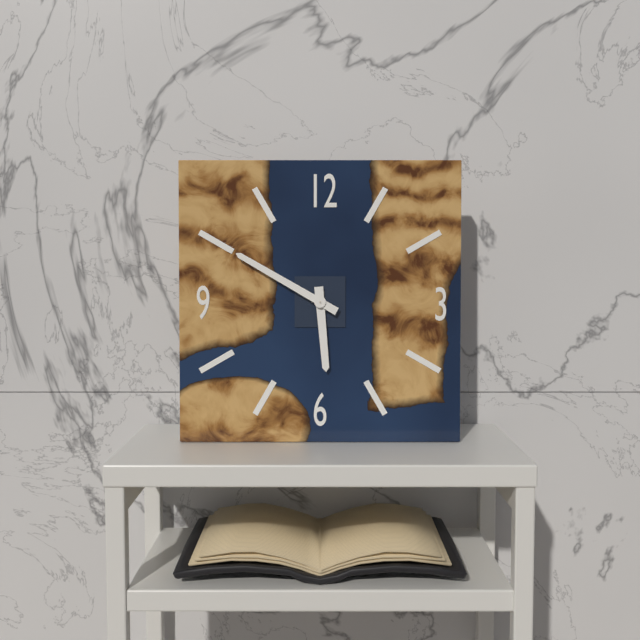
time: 5:50
